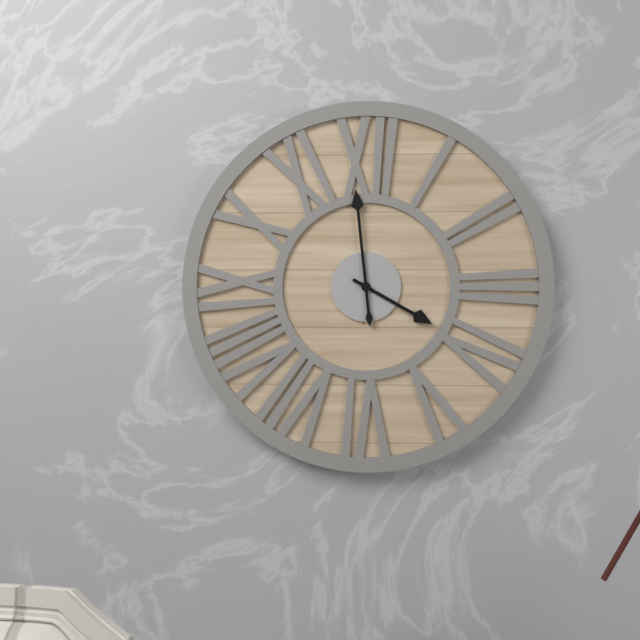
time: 3:59
